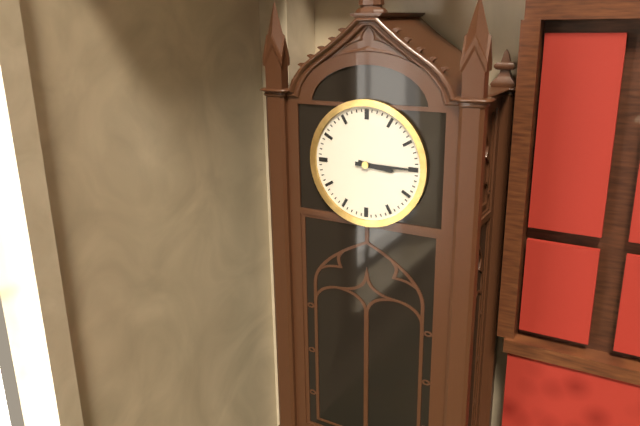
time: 3:15
